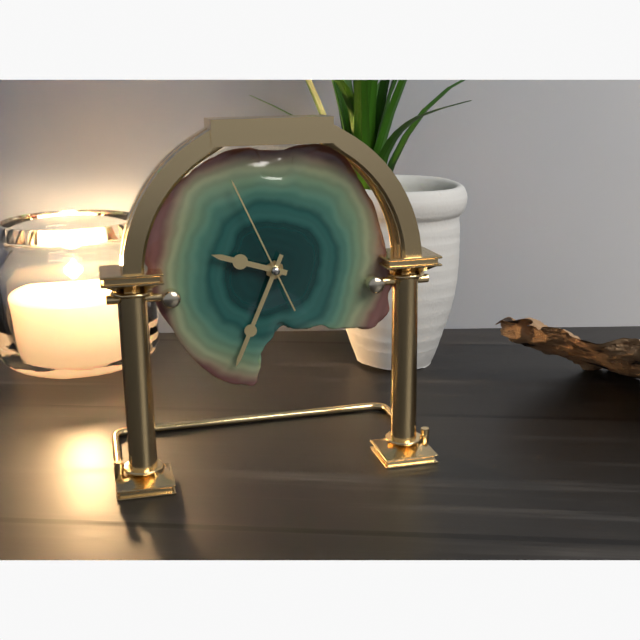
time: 9:34:56
